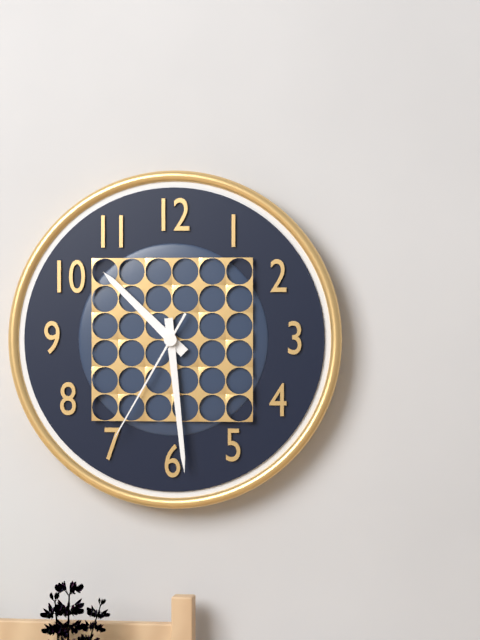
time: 10:29:35
